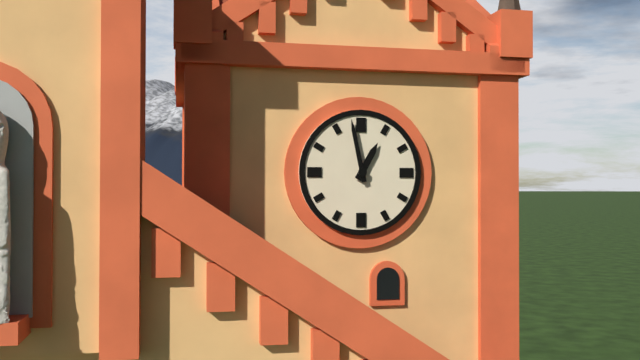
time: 12:58
